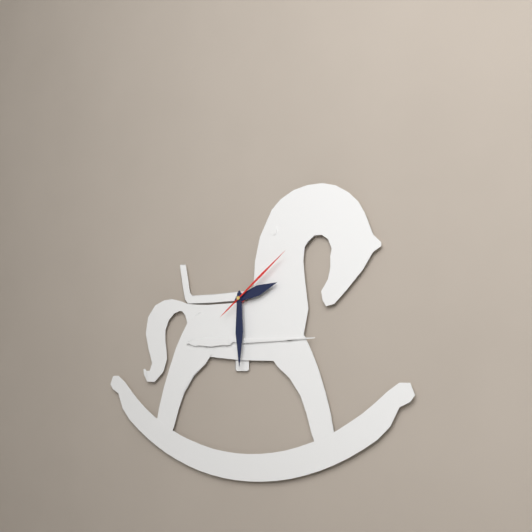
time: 2:30:09
